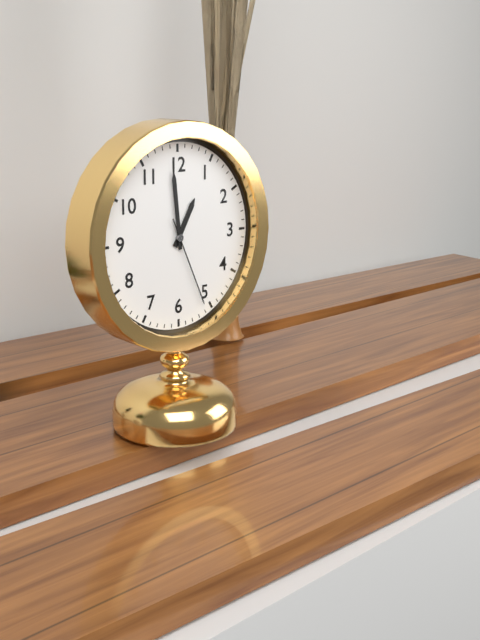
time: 12:59:26
